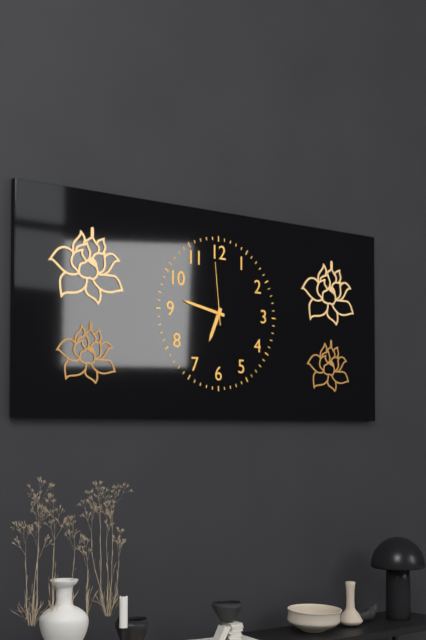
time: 6:47:59
